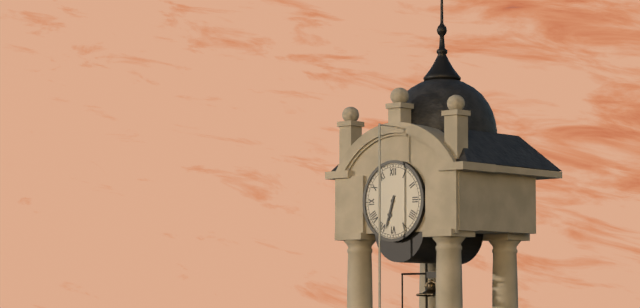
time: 6:33
